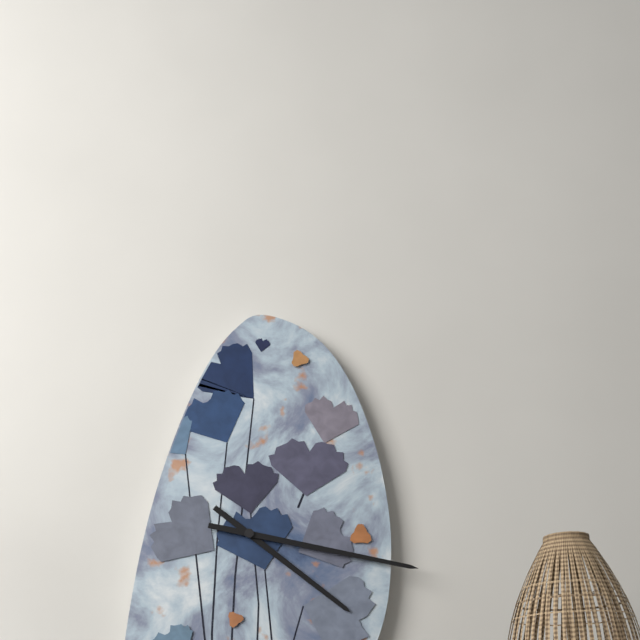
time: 4:17
